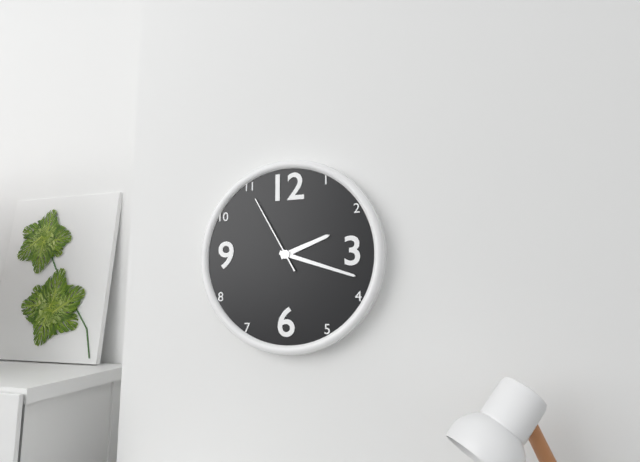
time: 2:18:55
